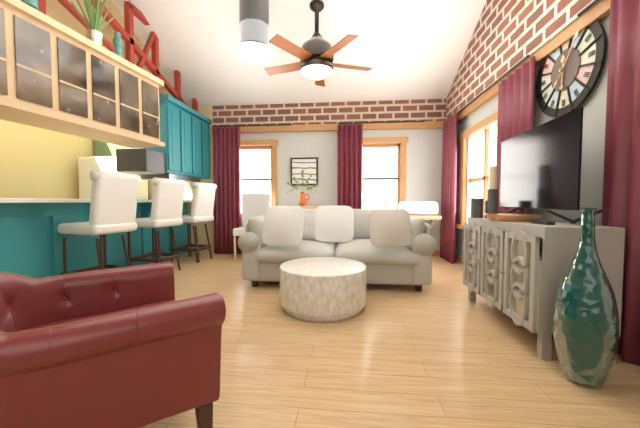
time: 6:06
